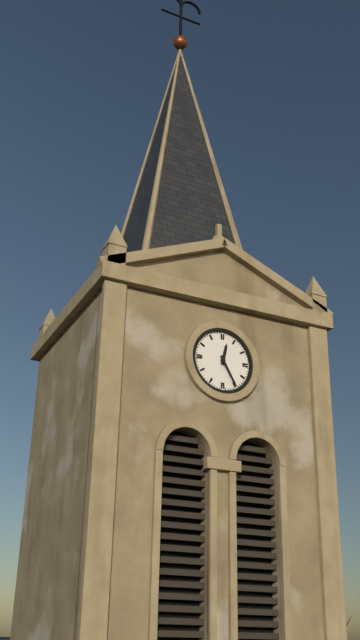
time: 12:25
